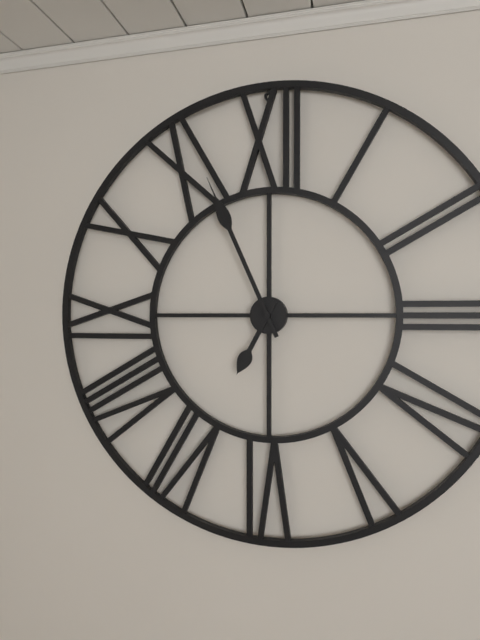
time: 6:56
